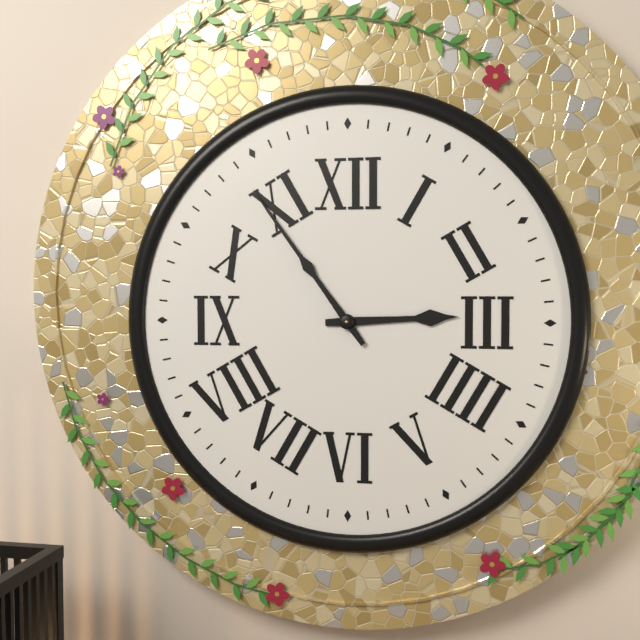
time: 2:54
